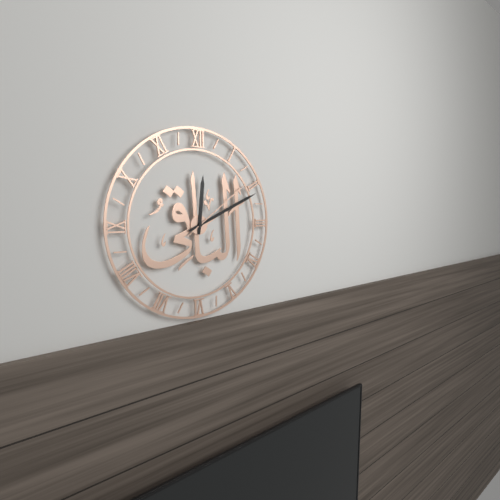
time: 12:11:09
